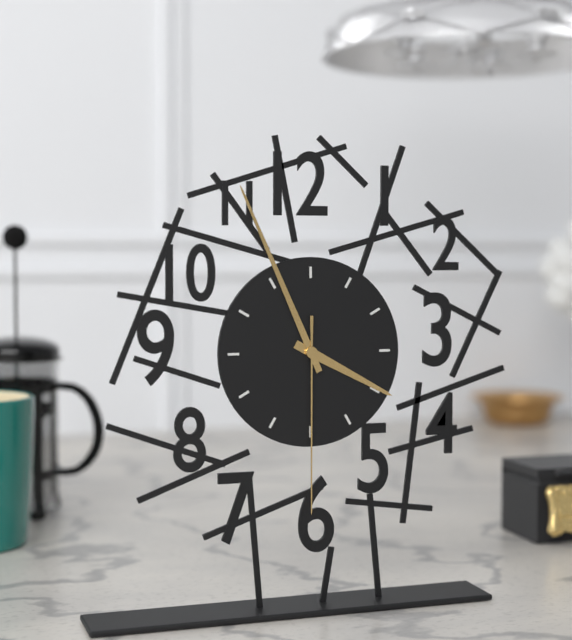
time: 3:56:30
